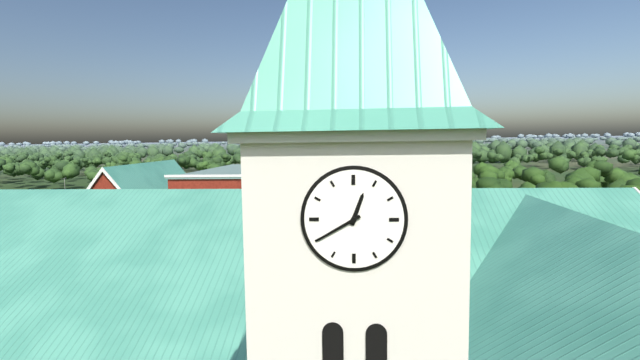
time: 12:40
